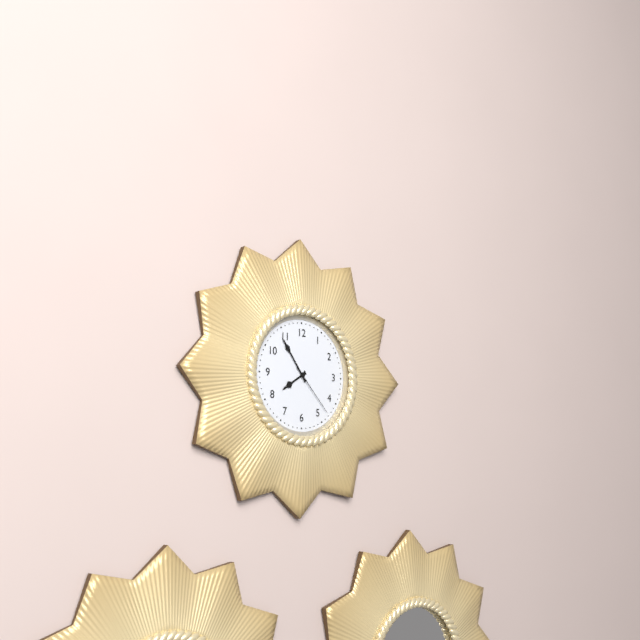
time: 7:54:23
